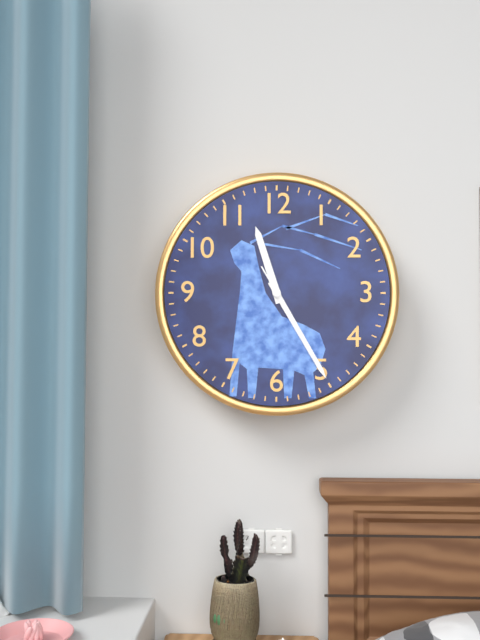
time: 11:25:25
